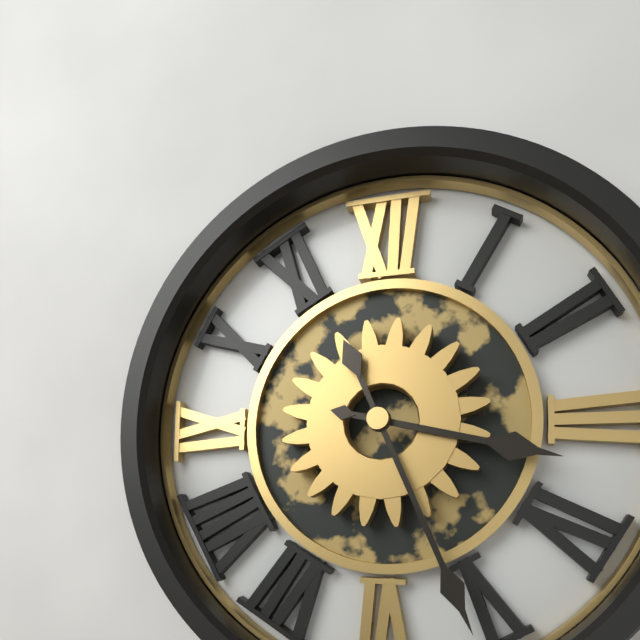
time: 3:26
